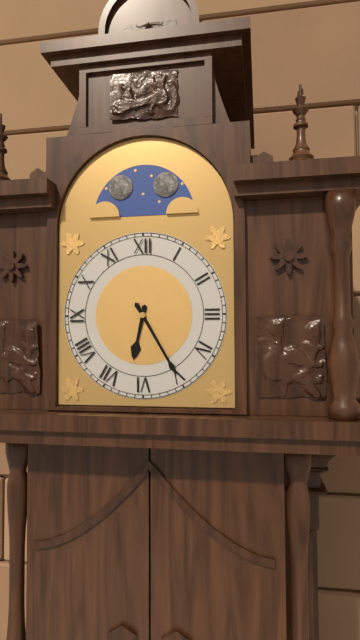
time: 6:25
